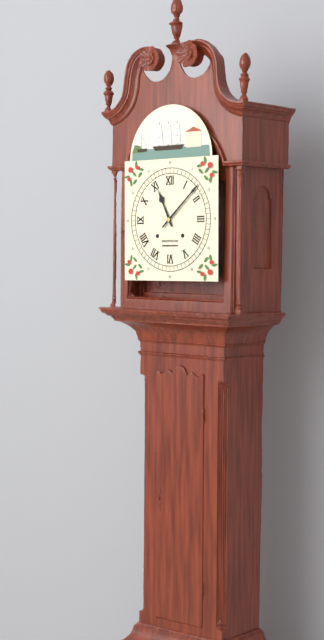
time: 11:08
